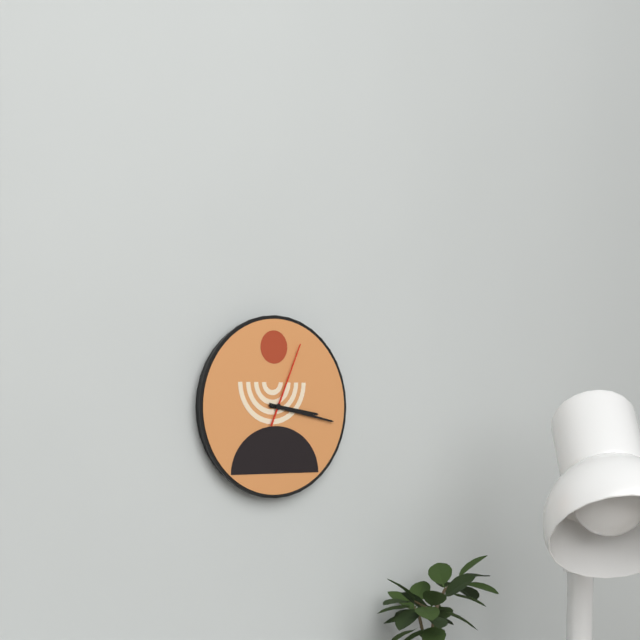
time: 3:17:04
